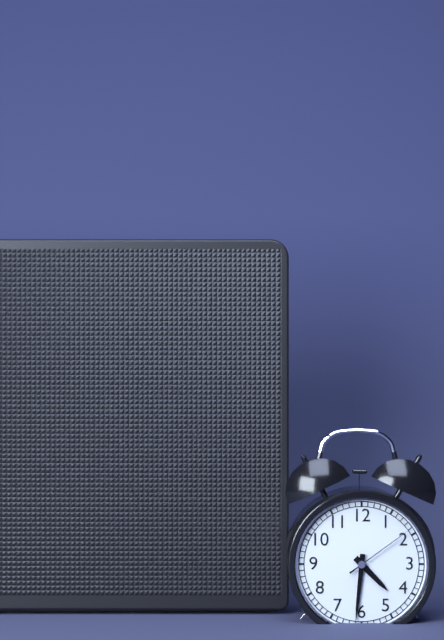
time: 4:31:09
